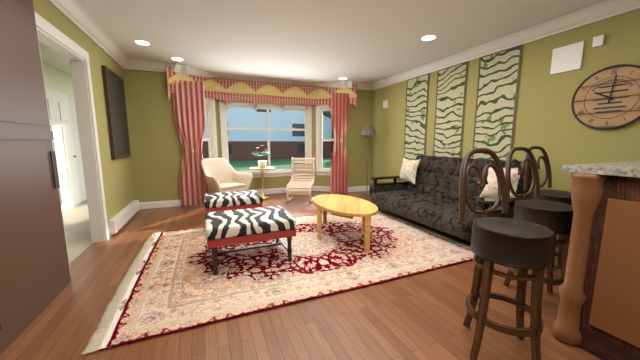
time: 10:01
